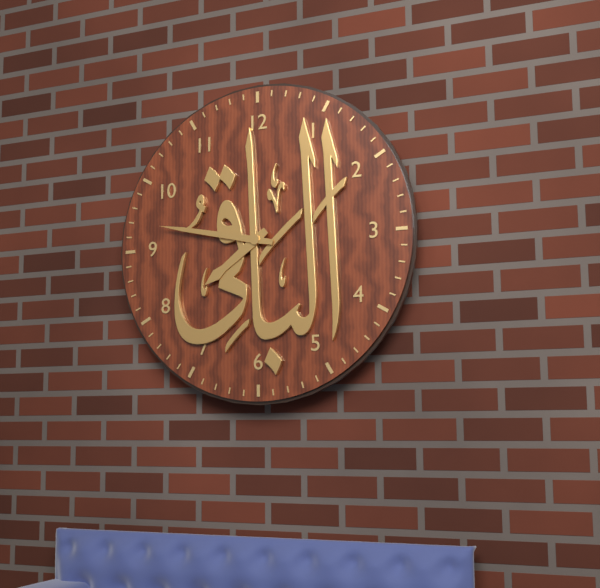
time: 7:47
